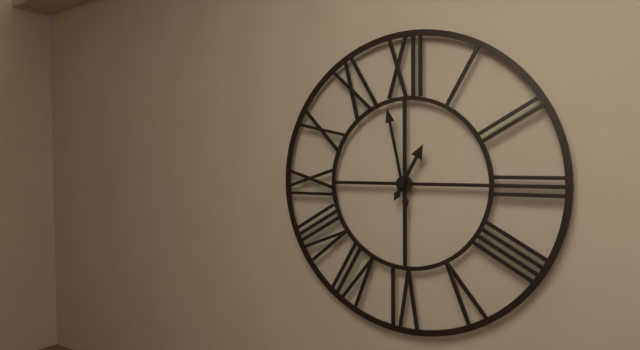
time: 12:58
